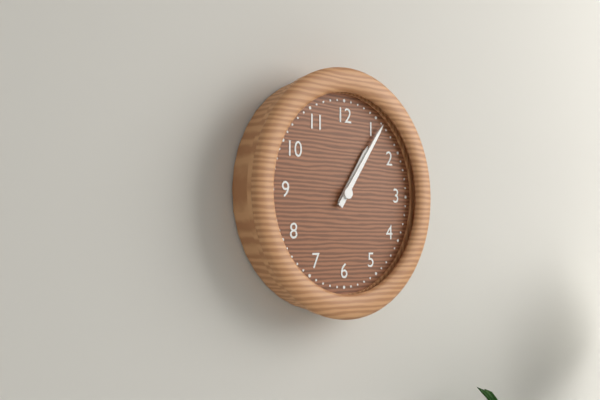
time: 1:06
